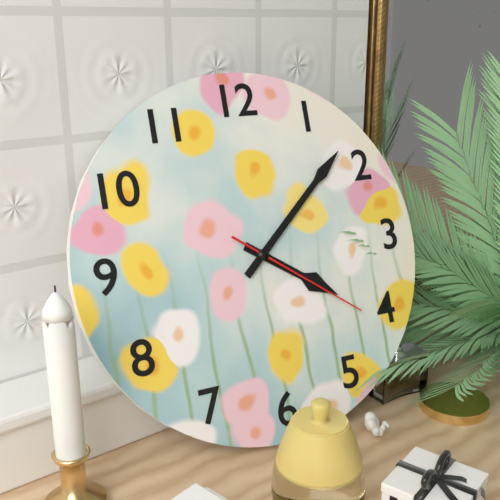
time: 4:08:21
